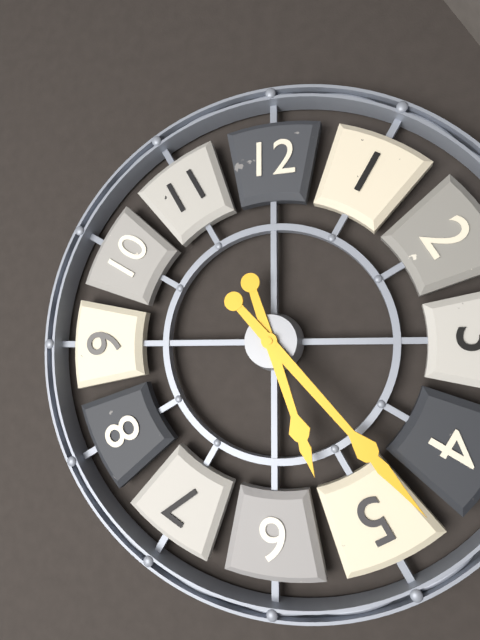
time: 5:23
